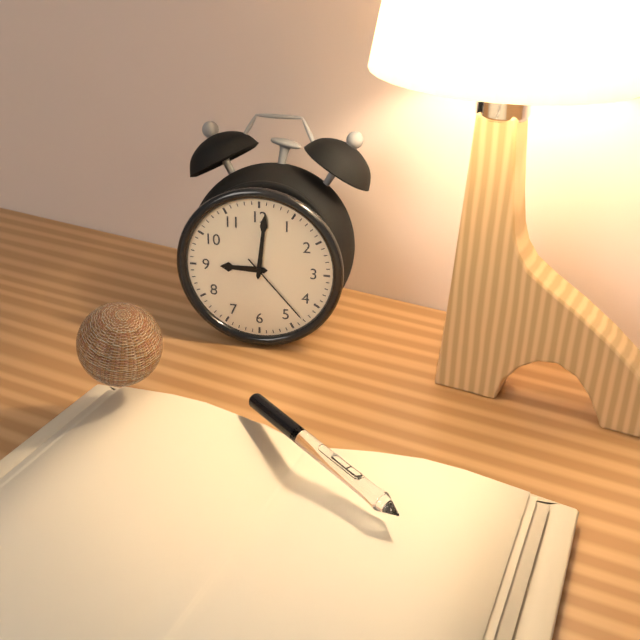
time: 9:01:23
